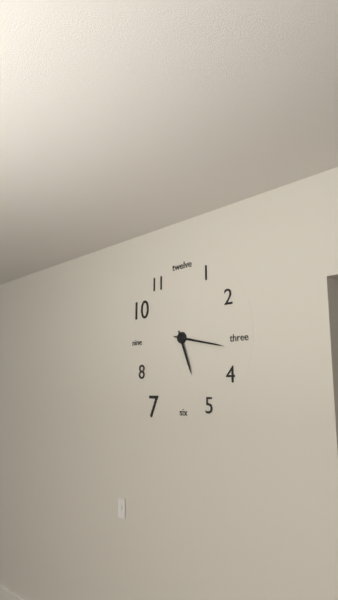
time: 5:17
